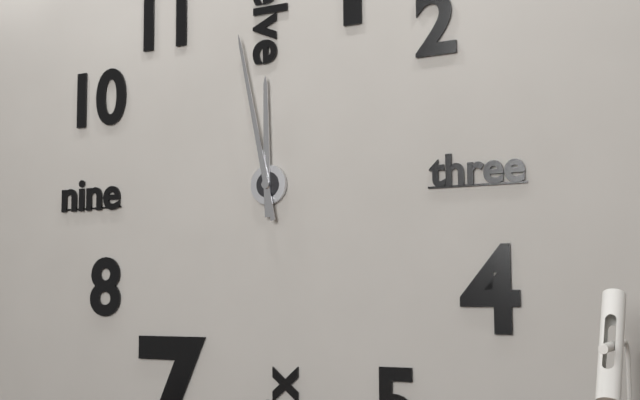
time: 11:58
